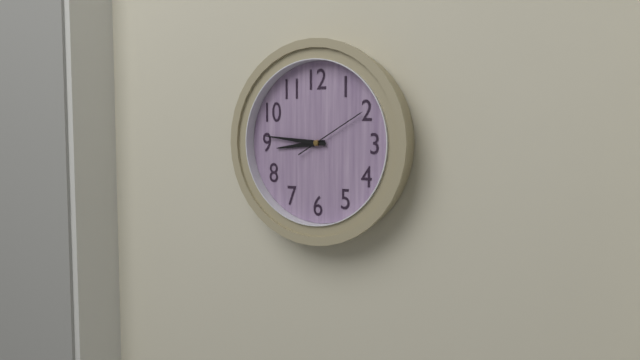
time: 8:46:10
